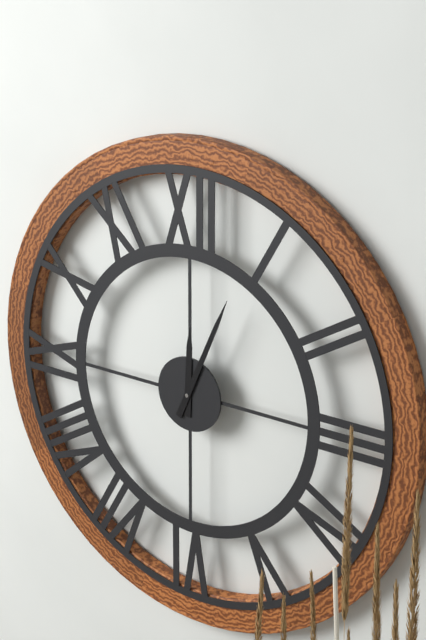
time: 12:04
